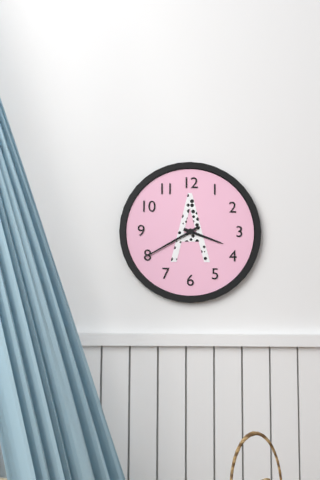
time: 3:40
